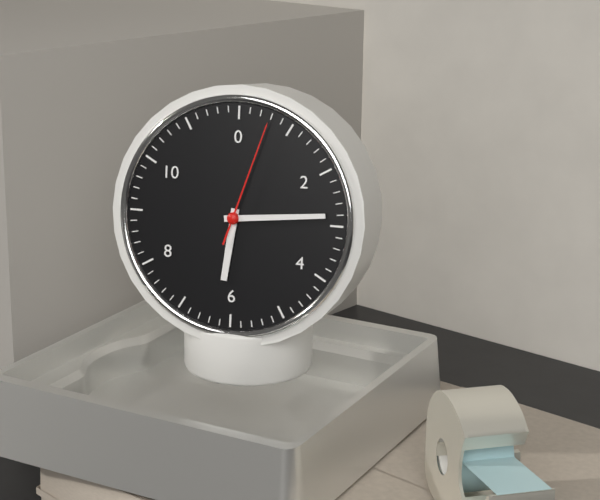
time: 6:14:03
